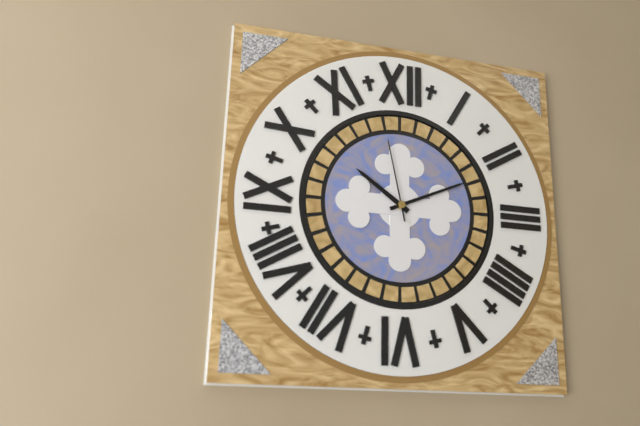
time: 10:11:58
